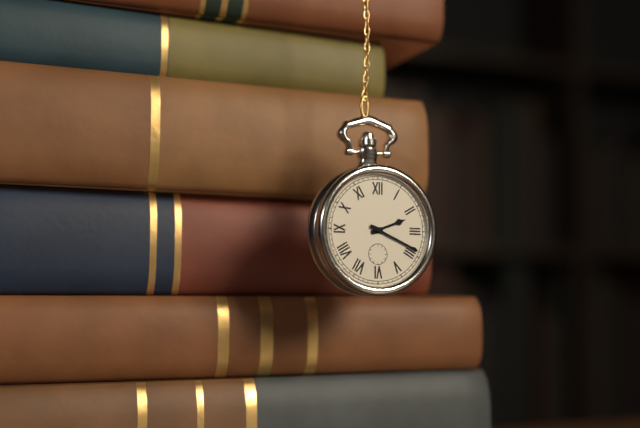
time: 2:19
